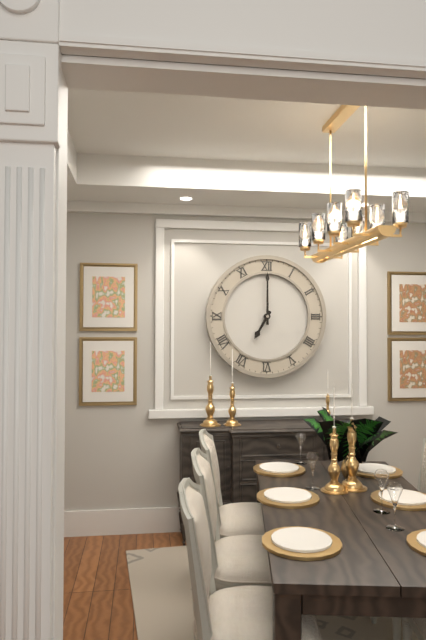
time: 7:00
